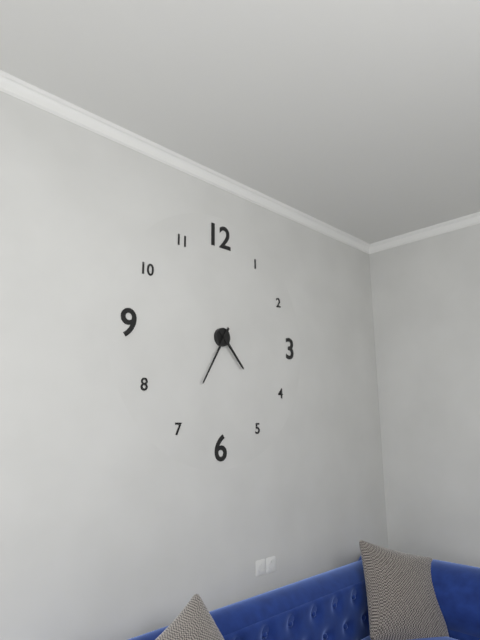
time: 4:35
